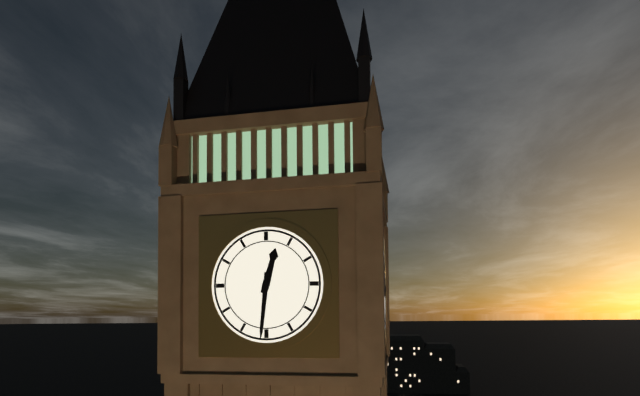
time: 12:31
